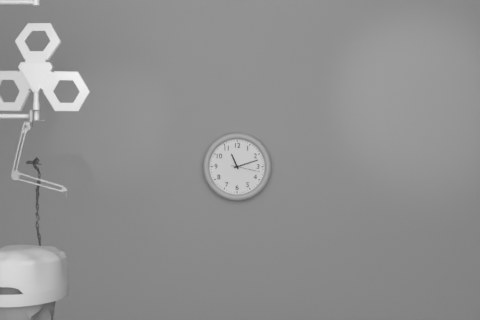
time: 11:12
